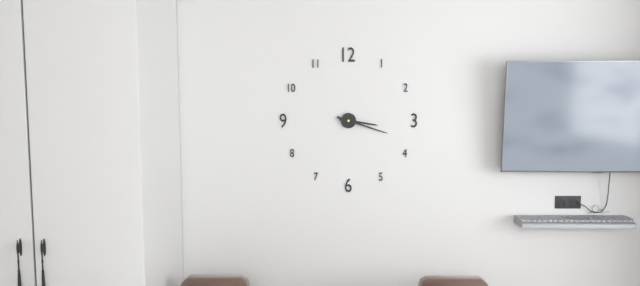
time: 3:18
